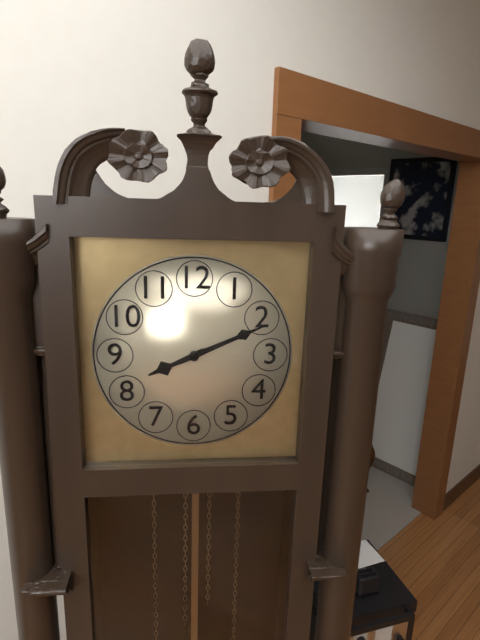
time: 8:11
